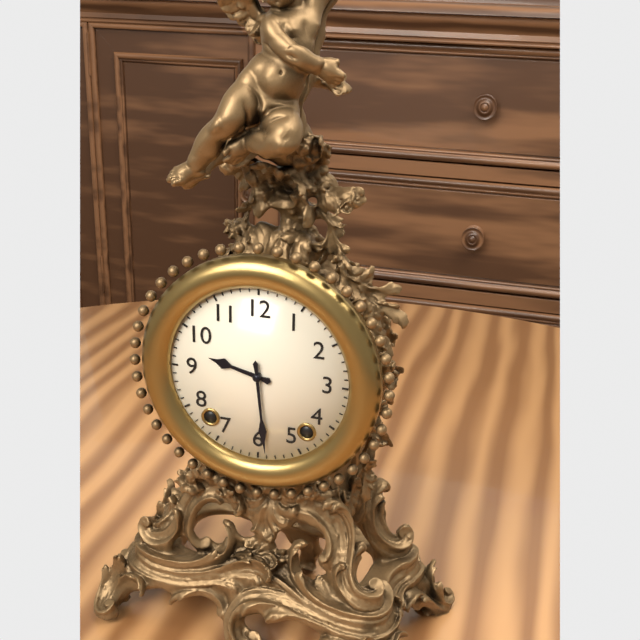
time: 9:29
